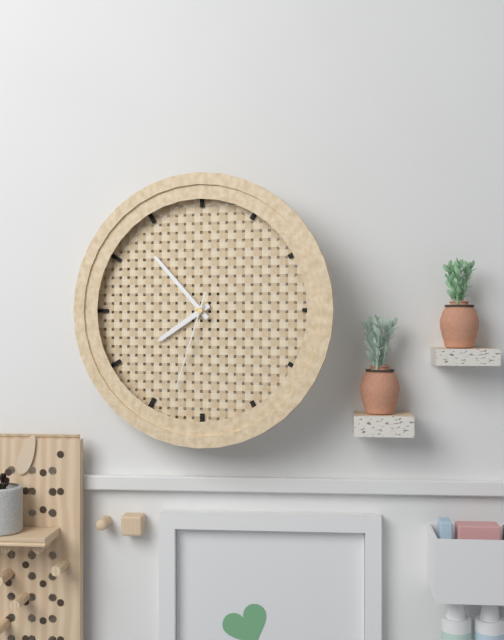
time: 7:53:33
